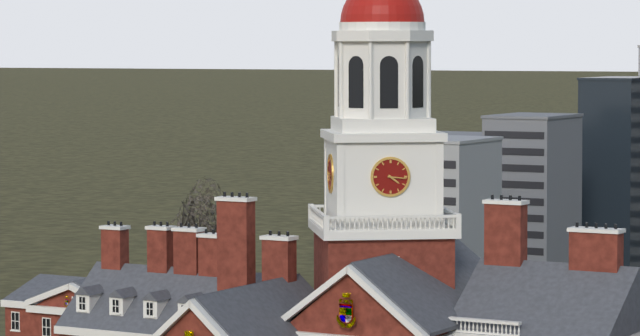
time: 4:16
